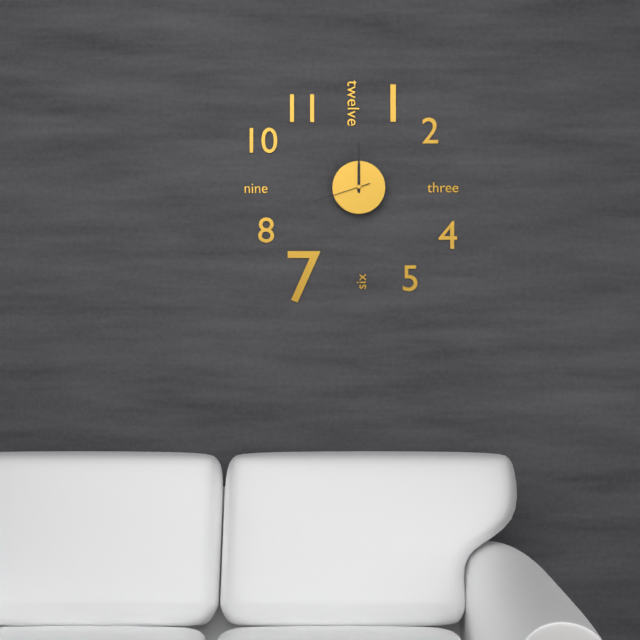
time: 12:00:42
